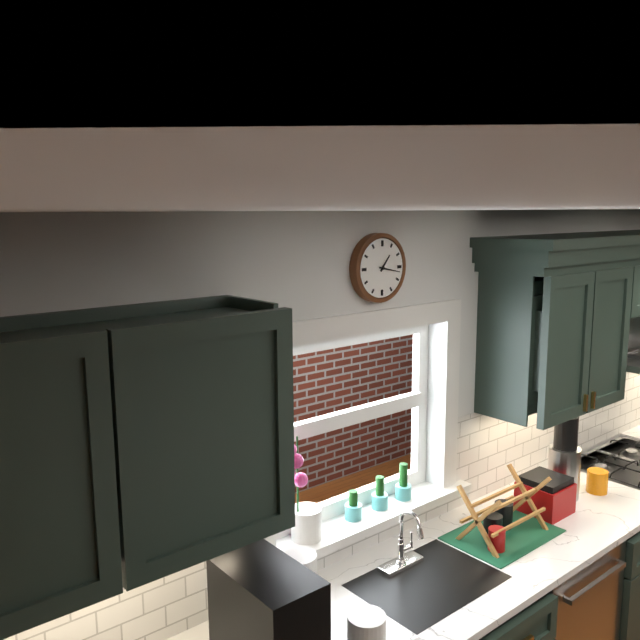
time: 1:17
